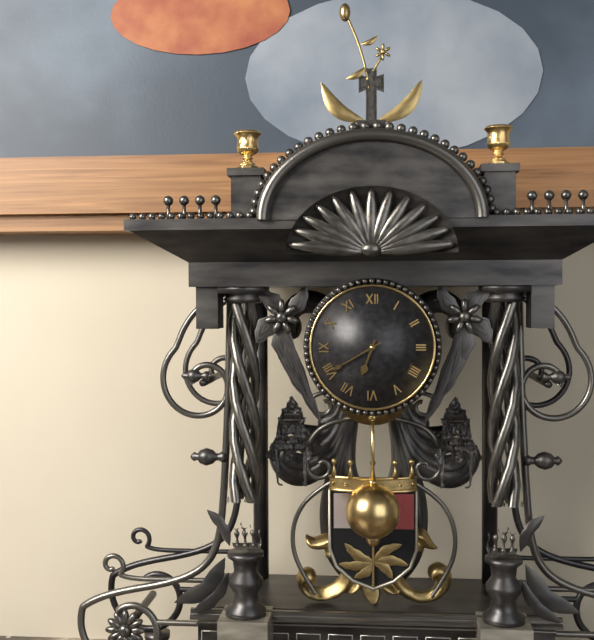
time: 6:40
